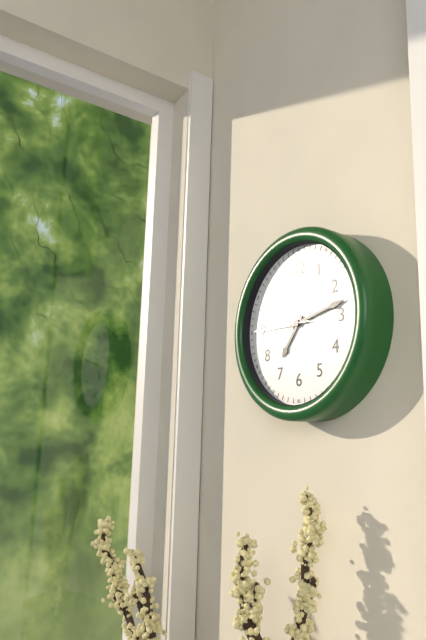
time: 7:13:45
